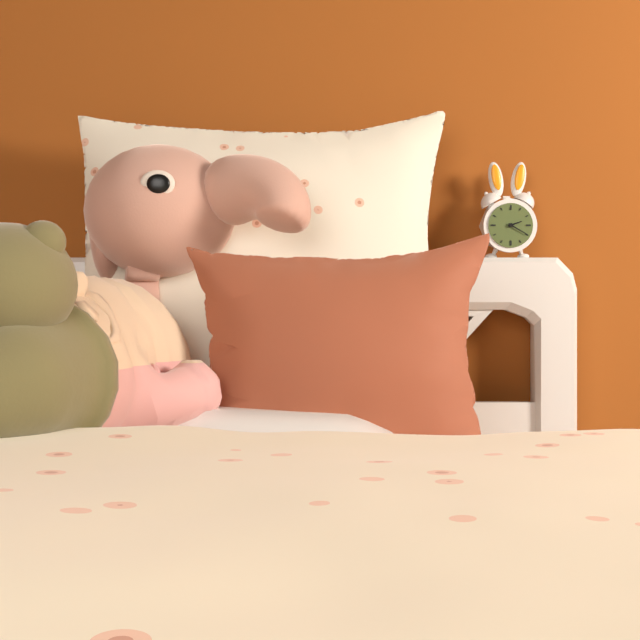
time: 2:20
